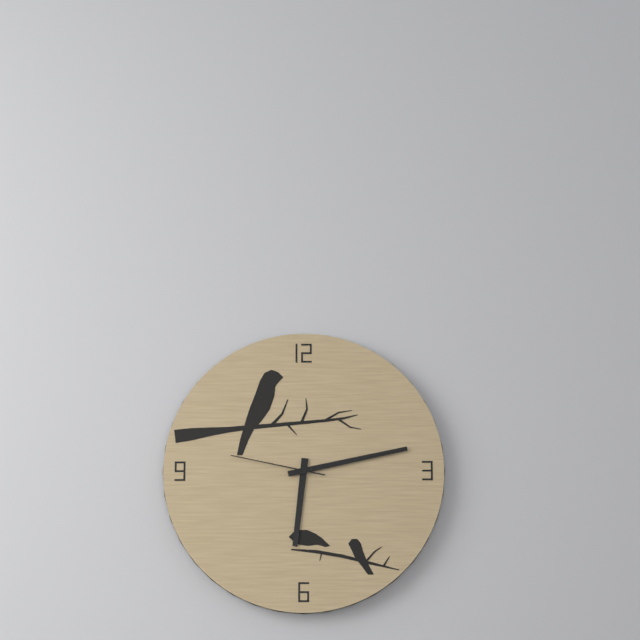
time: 6:13:47
